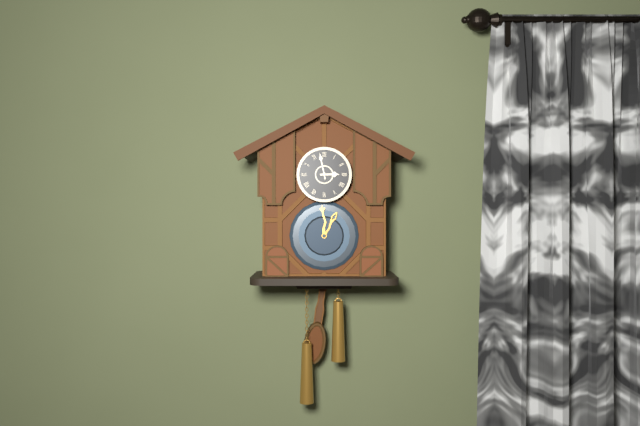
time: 2:58
